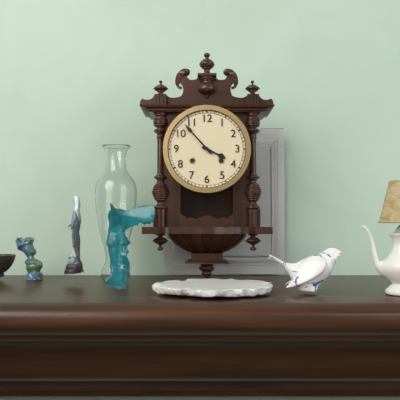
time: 3:53
